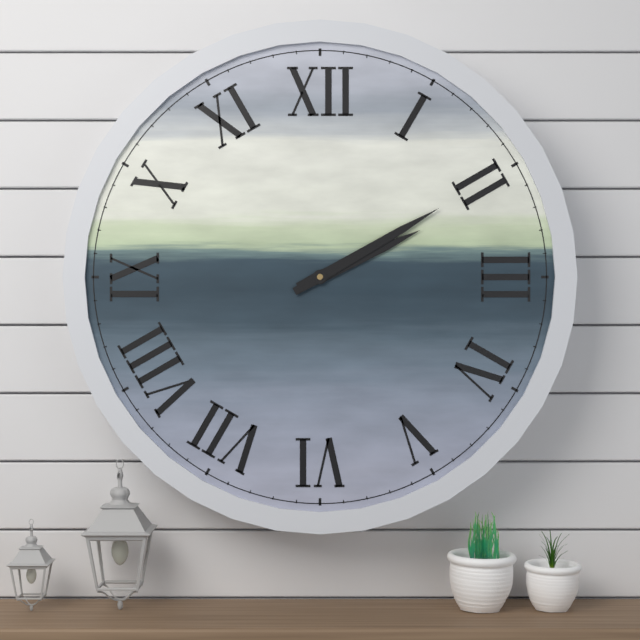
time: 2:10
